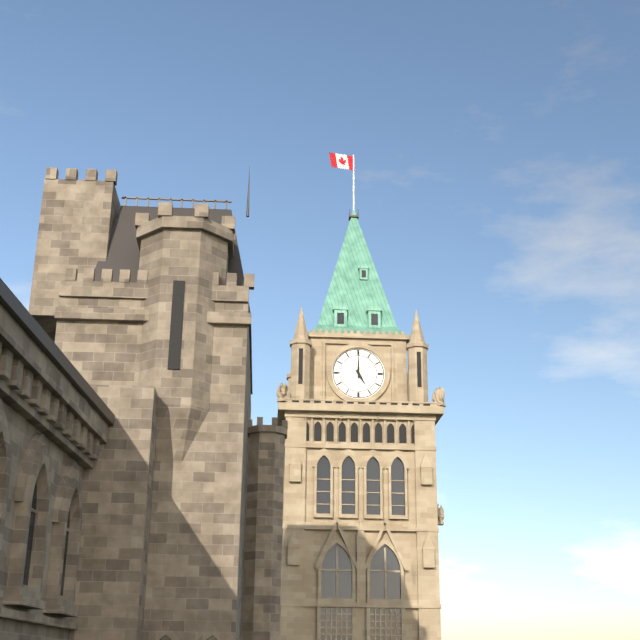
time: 5:00
